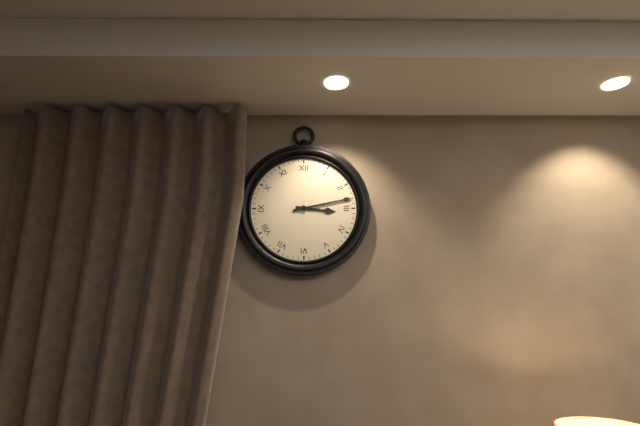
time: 3:13
